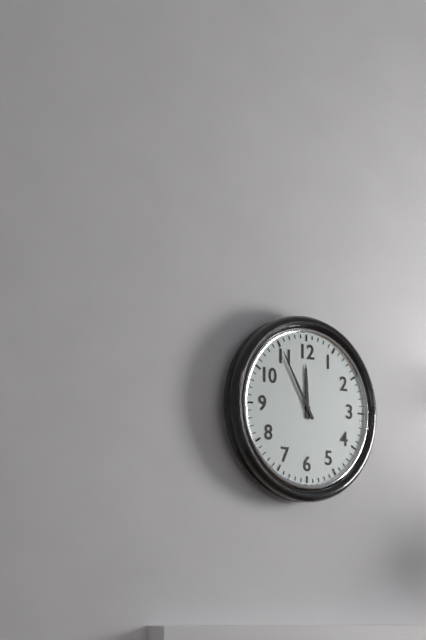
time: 11:55
